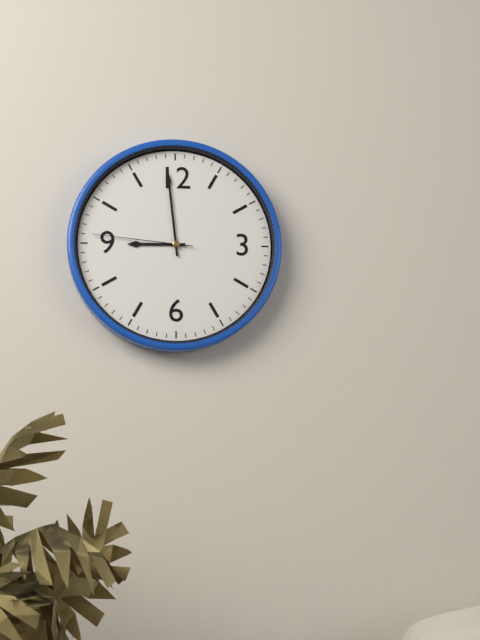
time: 8:59:46
